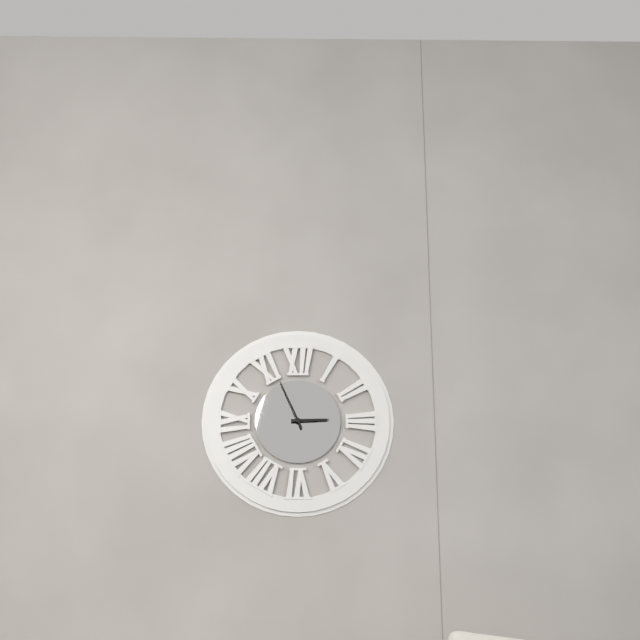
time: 2:56
